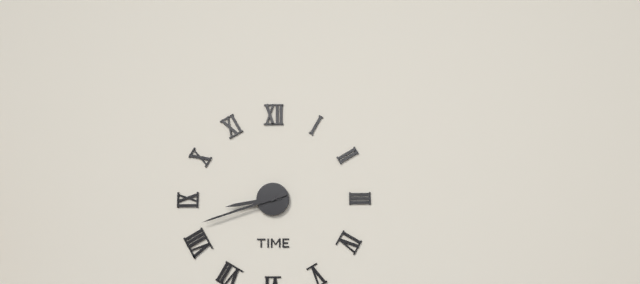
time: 8:42
